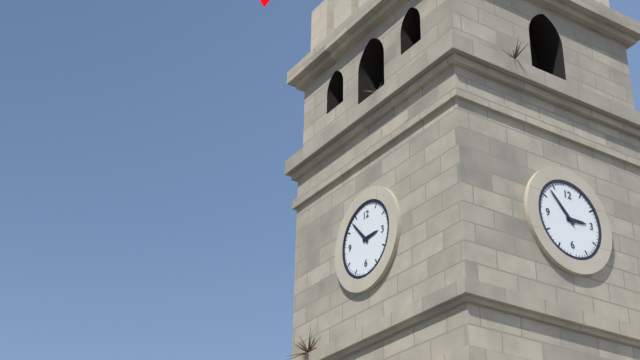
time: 2:53
